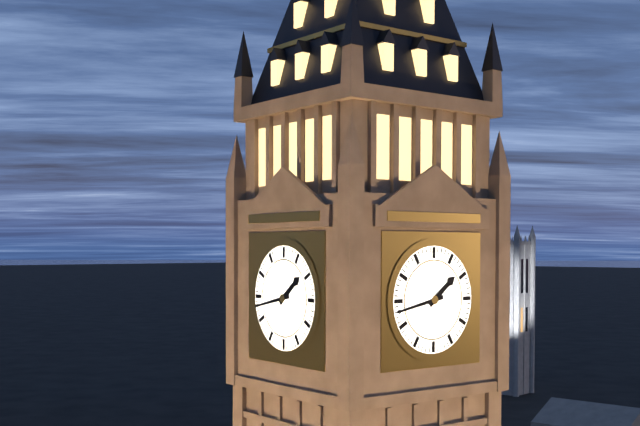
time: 1:43
